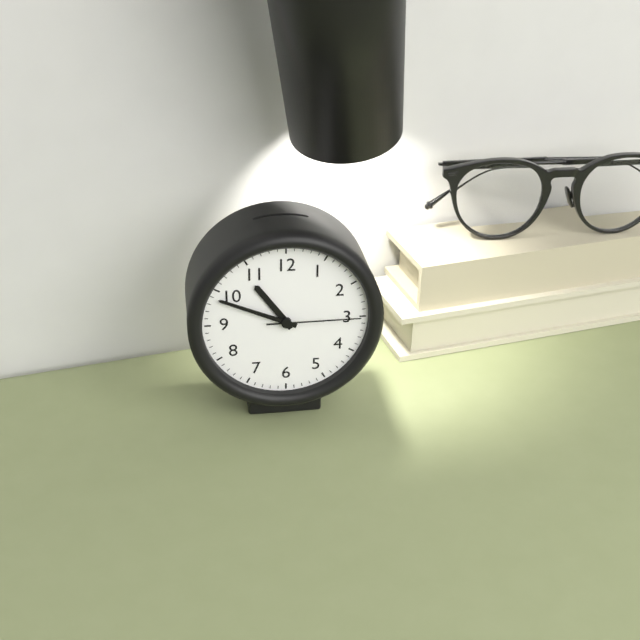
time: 10:49:15
